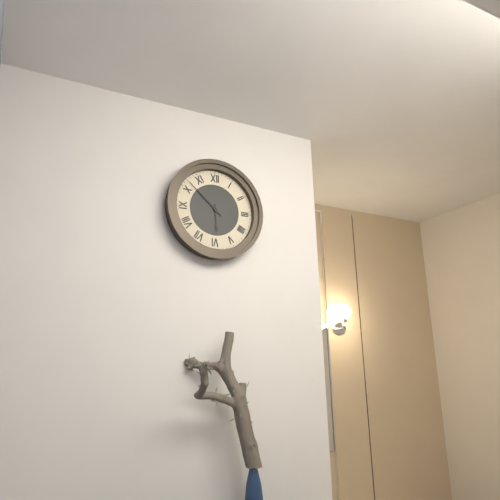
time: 5:52
